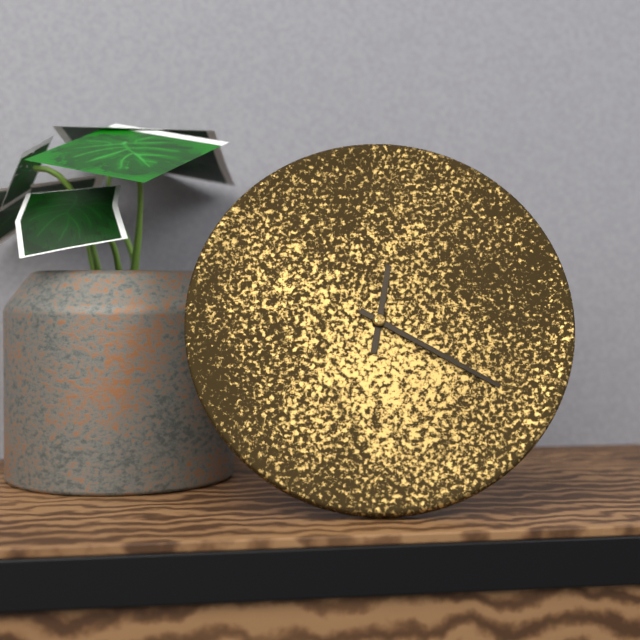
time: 12:20
